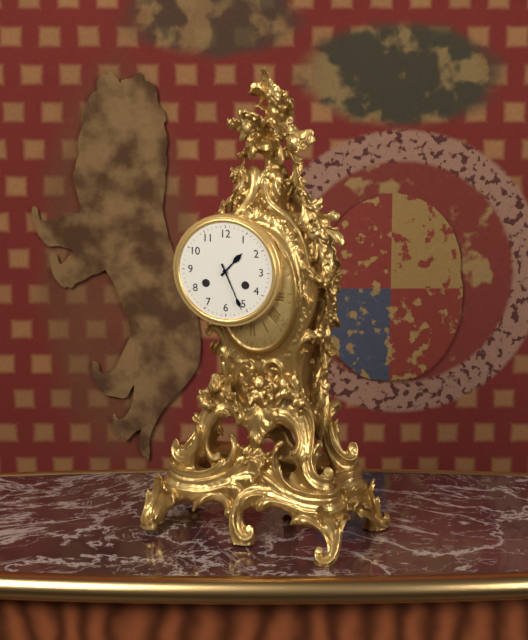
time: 1:26
